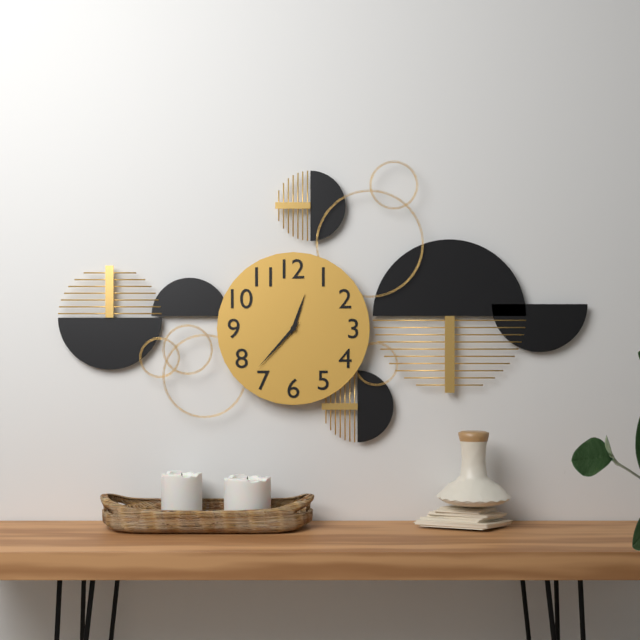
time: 12:37
